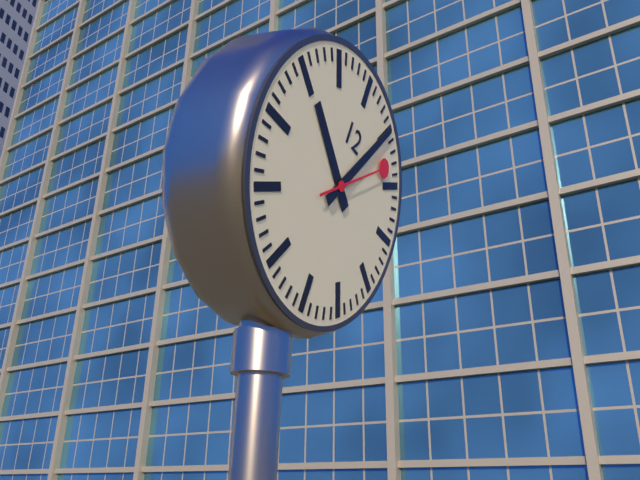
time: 10:05:08
